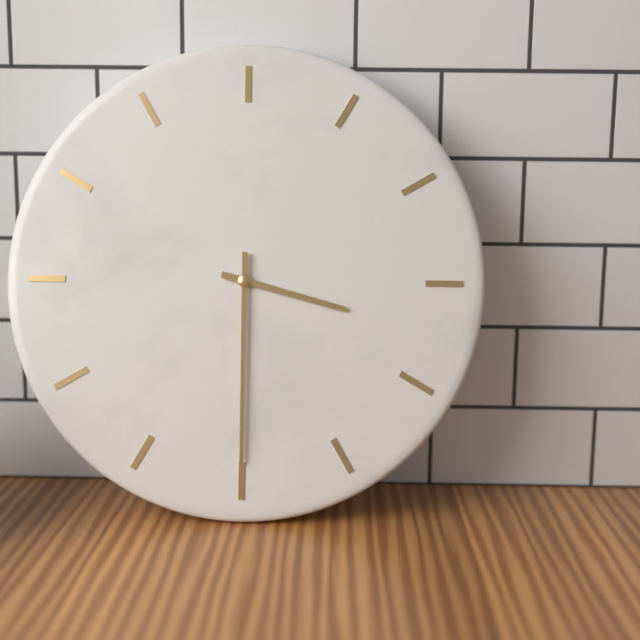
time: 3:30
